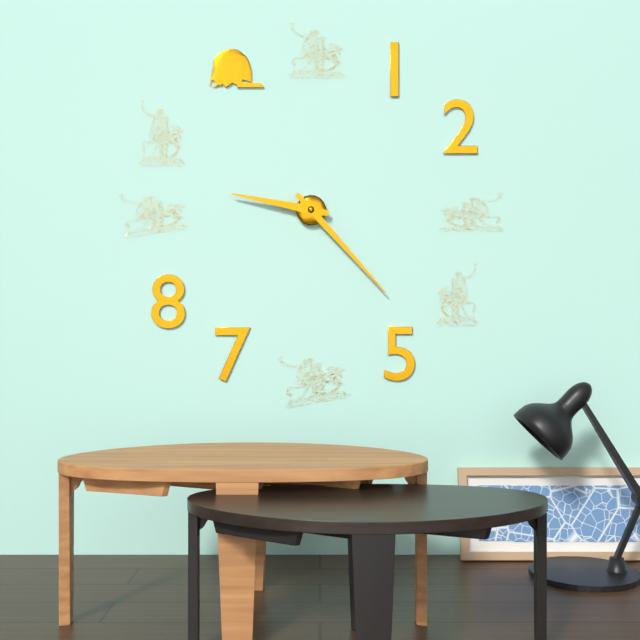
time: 9:23
